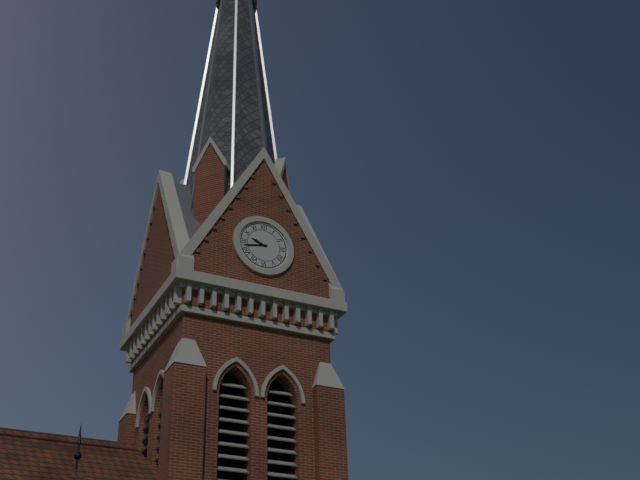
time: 9:43
